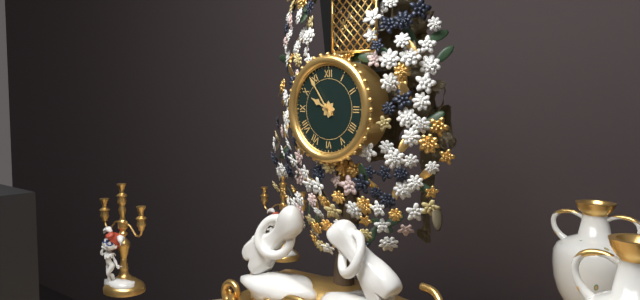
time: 9:54
